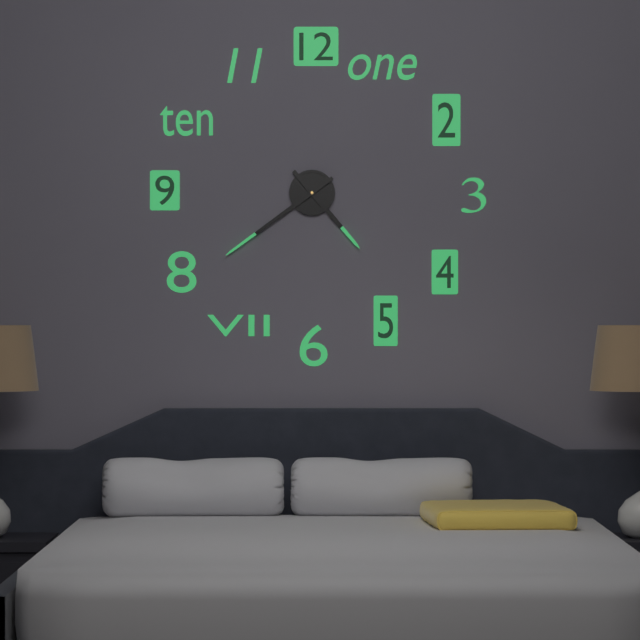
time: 4:39
